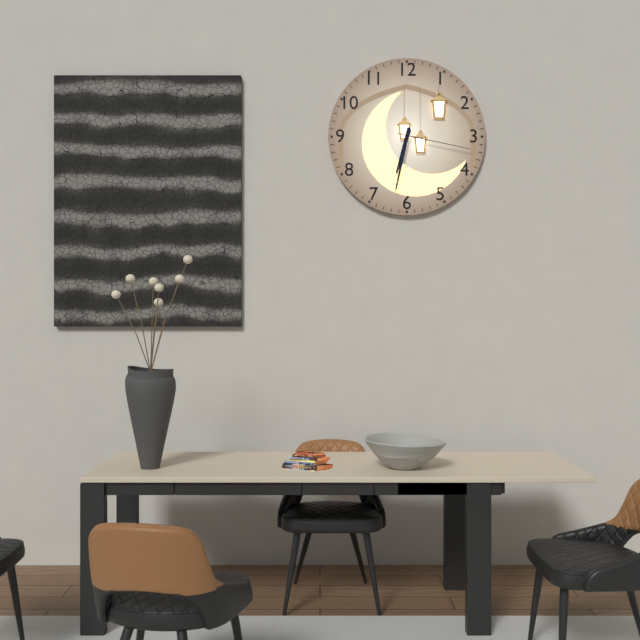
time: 6:32:17
